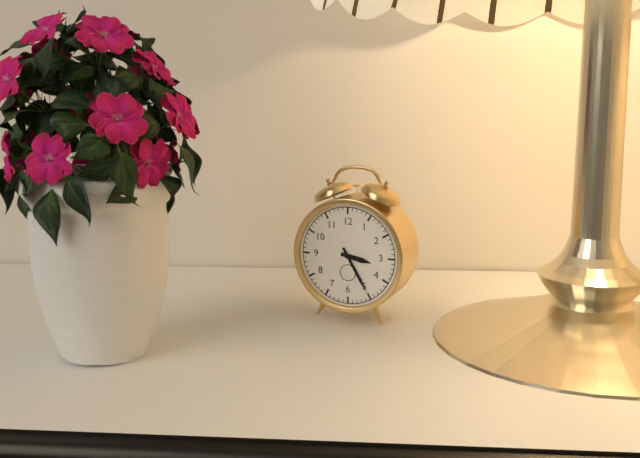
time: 3:25
